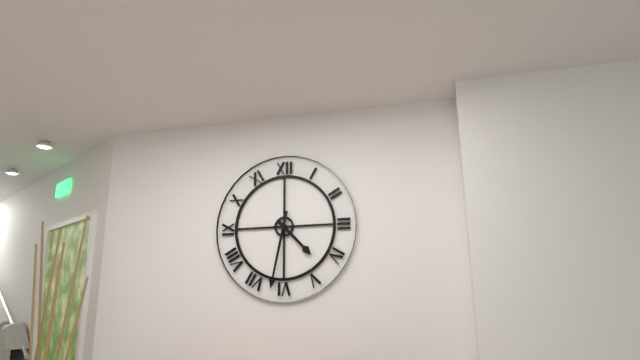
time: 4:32
